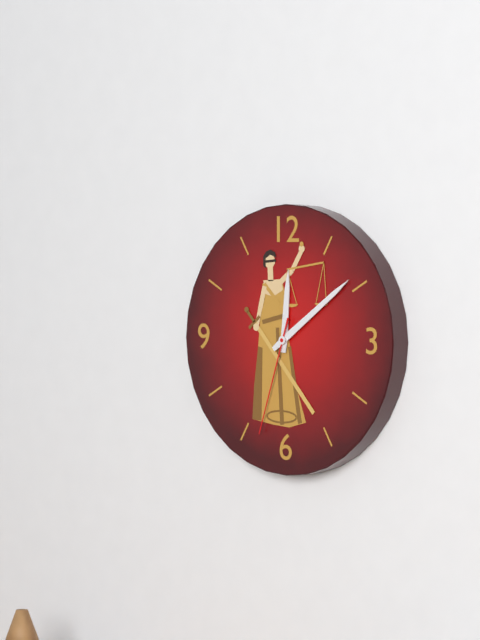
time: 12:09:33
